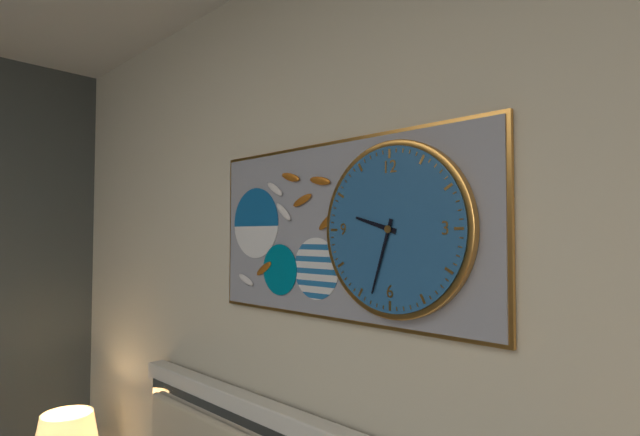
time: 9:33
